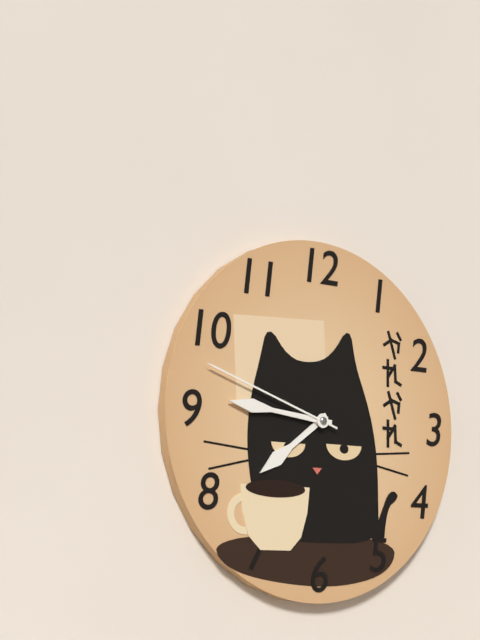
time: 7:46:48
